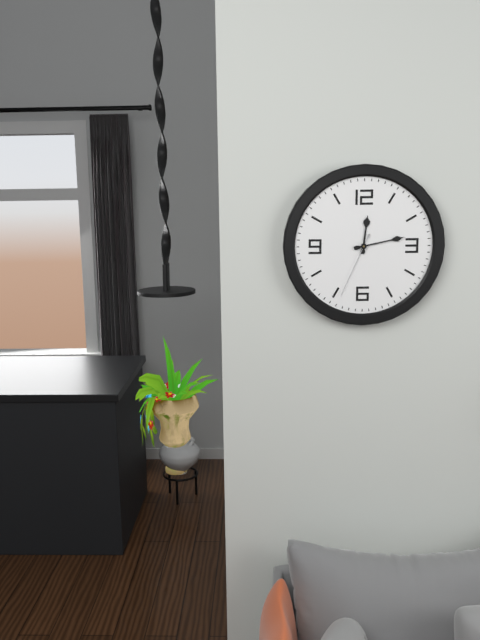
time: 12:13:34
